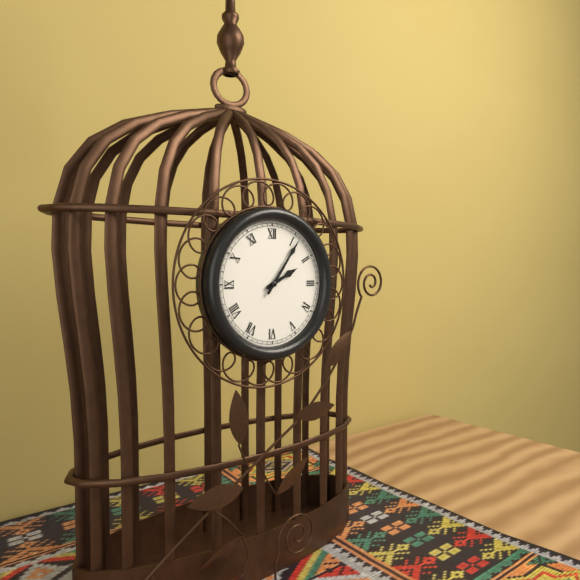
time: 2:06
